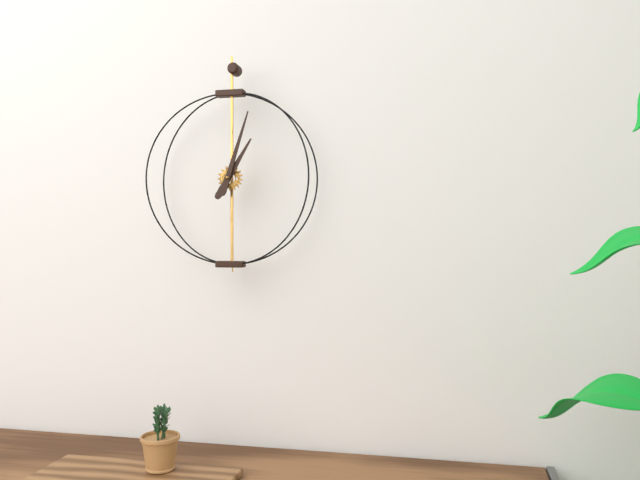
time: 1:03
